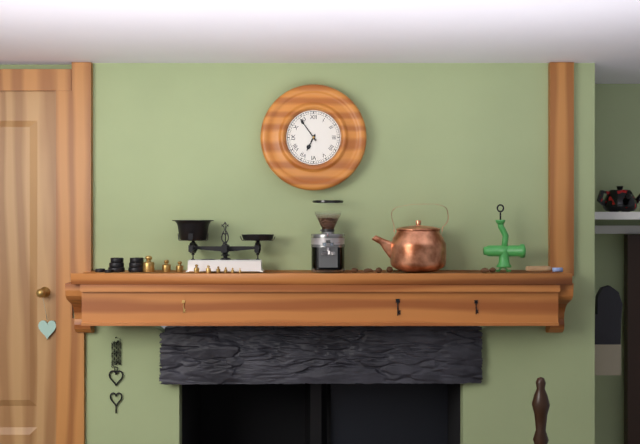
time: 6:54
